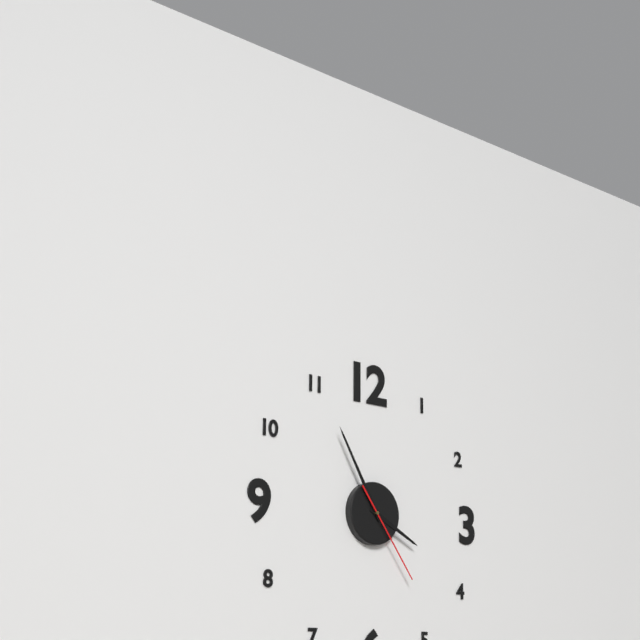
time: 3:55:24
